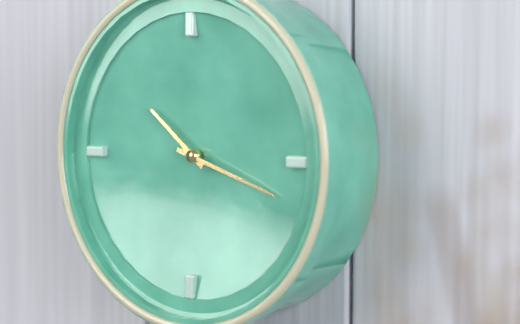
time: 10:18
